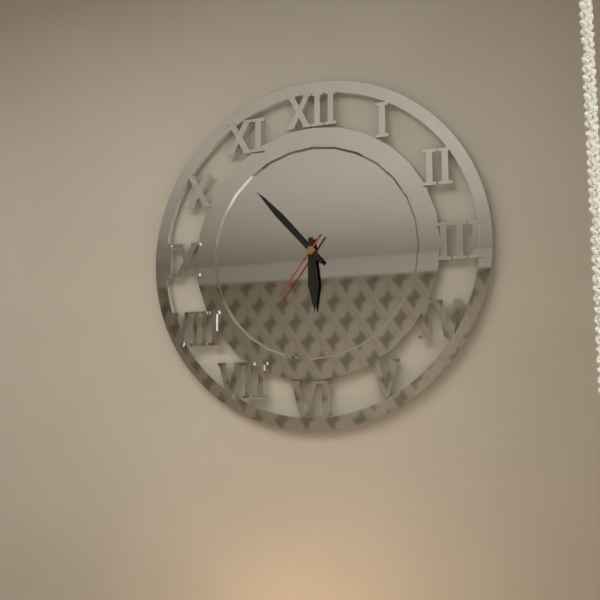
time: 5:53:36
